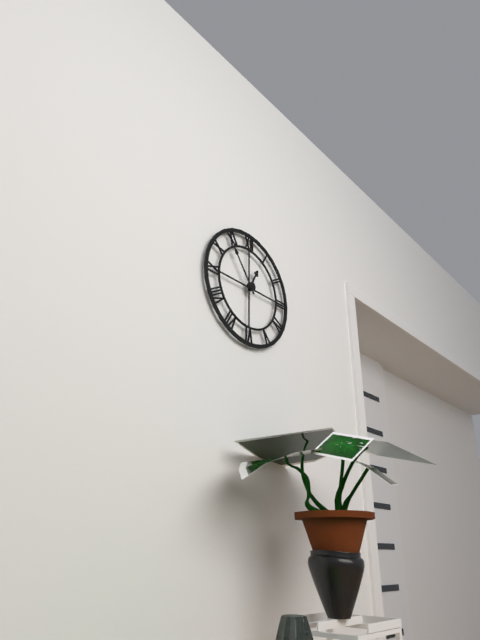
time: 12:54
